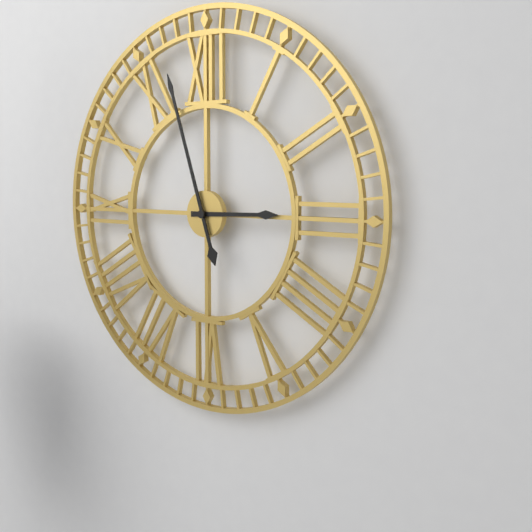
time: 2:57
